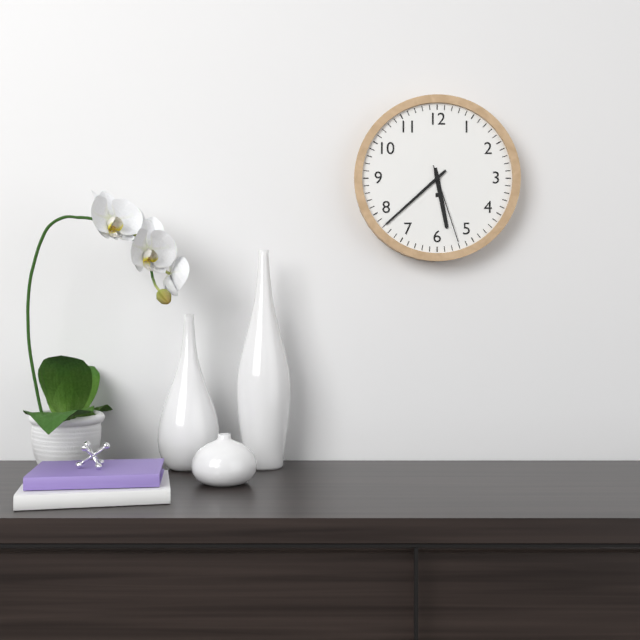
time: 5:38:27
